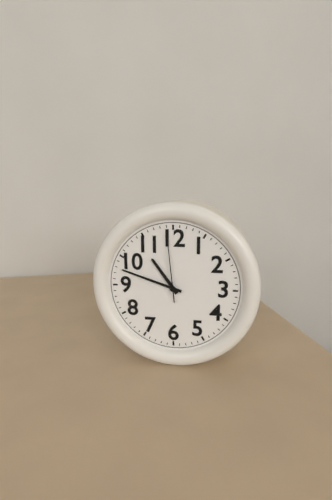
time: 10:48:59
